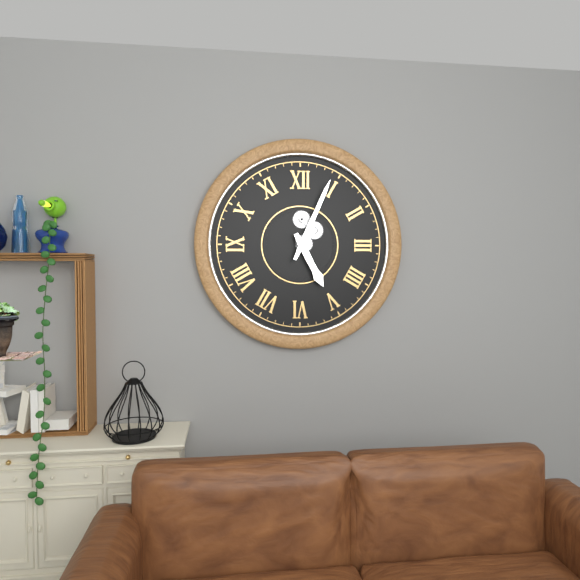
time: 5:04
